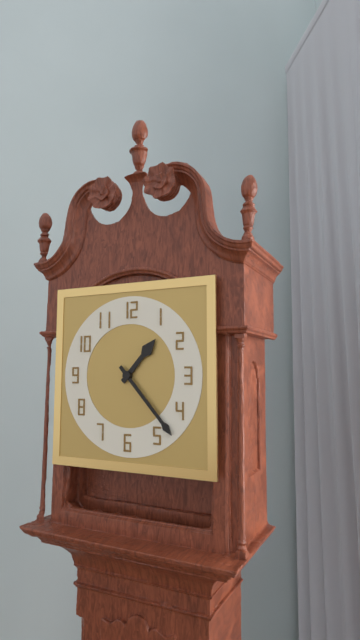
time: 1:23
